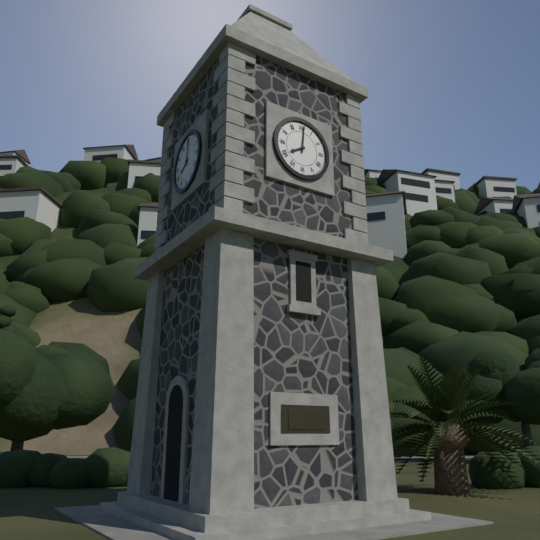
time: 8:01
